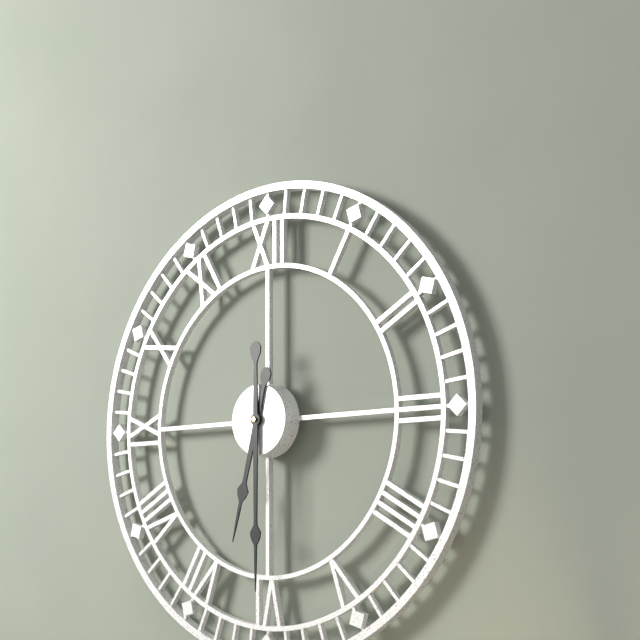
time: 6:30
